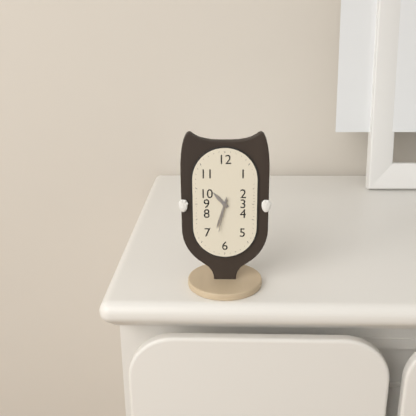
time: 10:33
